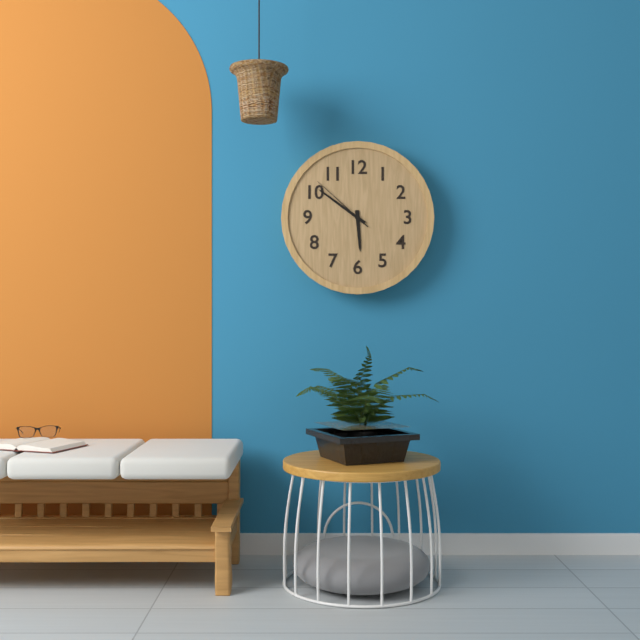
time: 5:51:52
